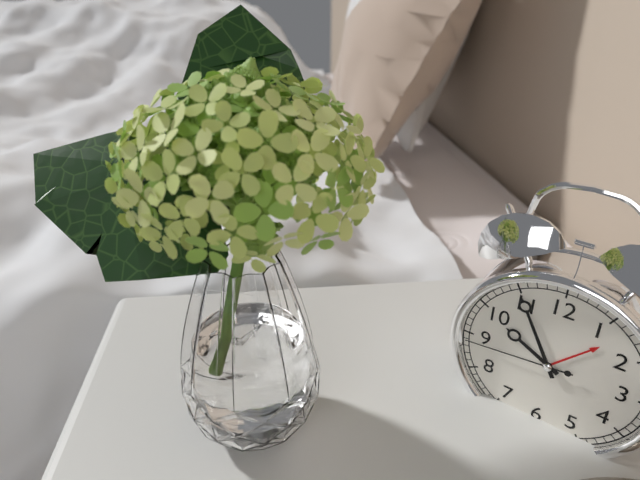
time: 9:55:44
